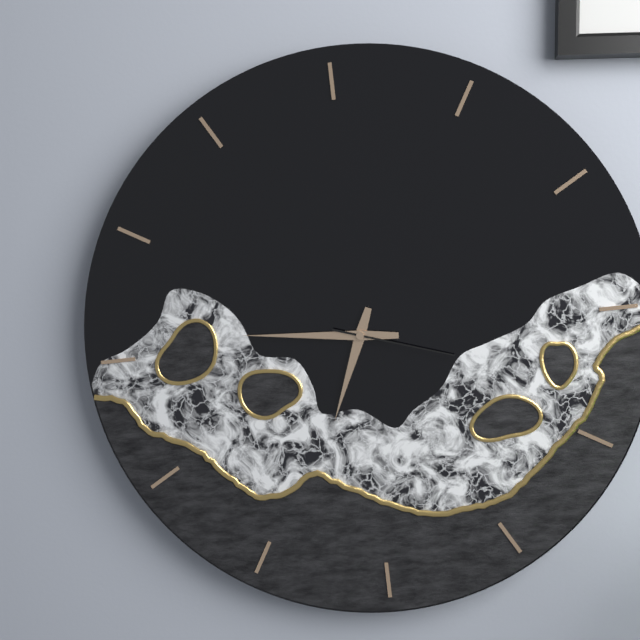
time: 6:46:18
